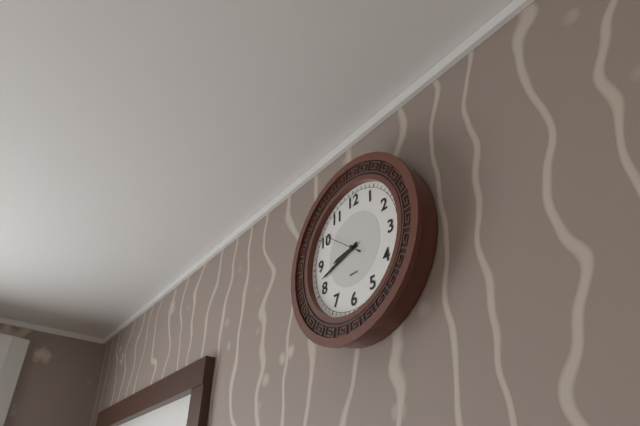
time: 8:42
